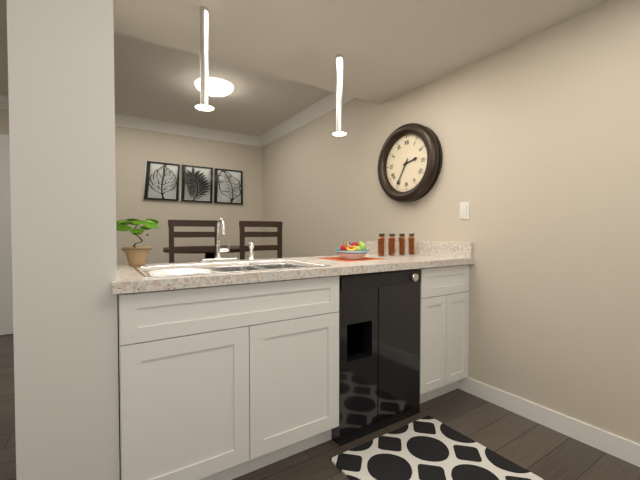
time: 2:35
